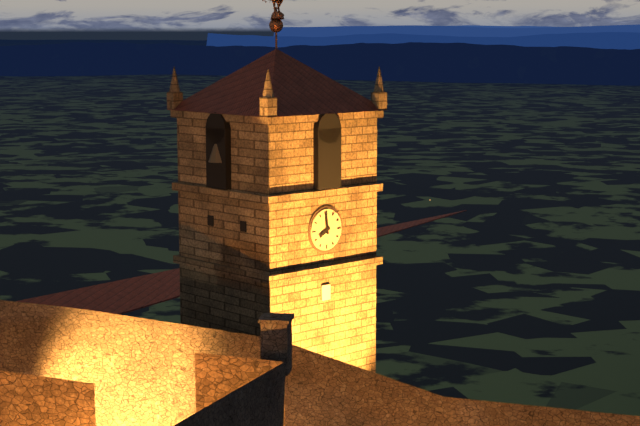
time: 7:59
